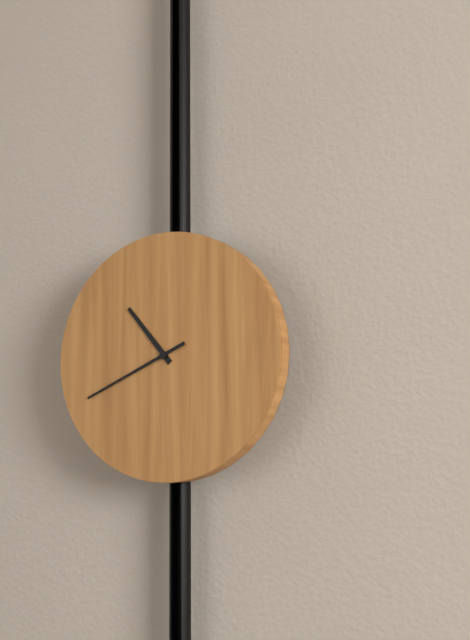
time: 10:41
